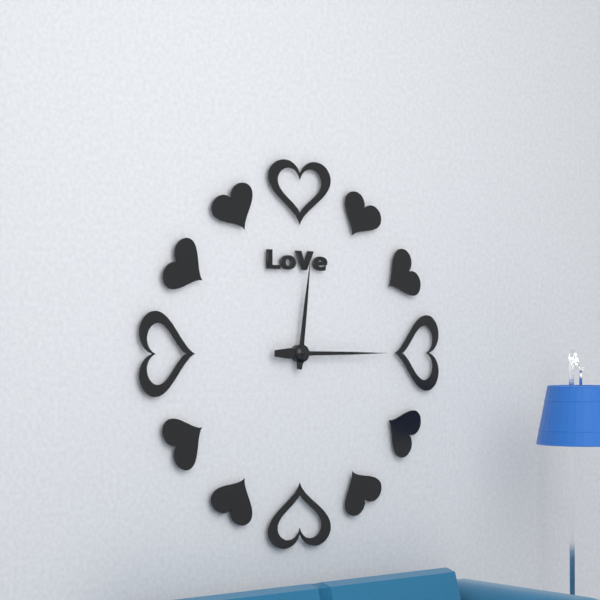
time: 12:15
